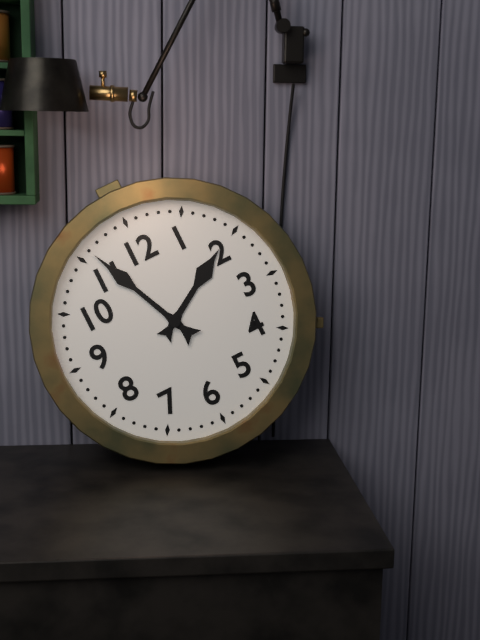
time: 1:56
